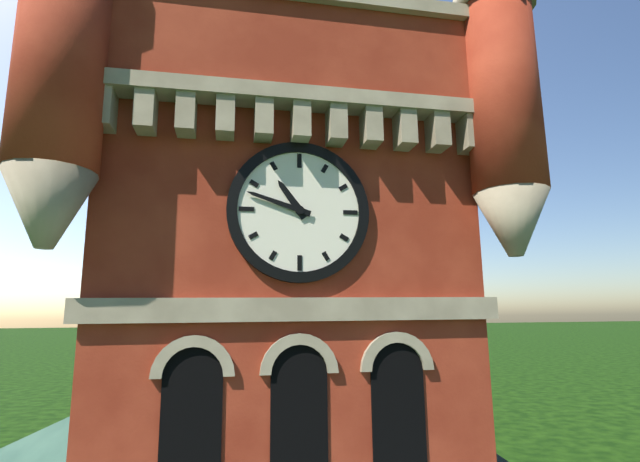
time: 10:48
